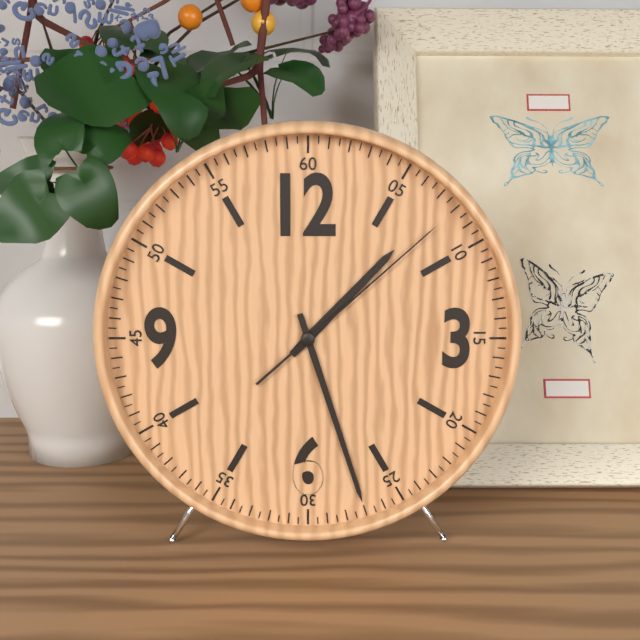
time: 1:27:08
